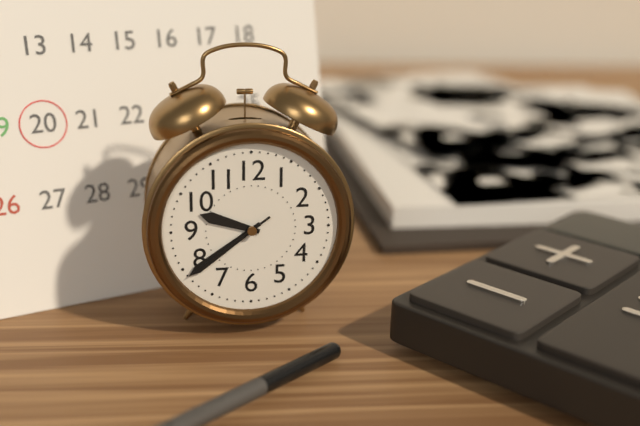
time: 9:39:39
